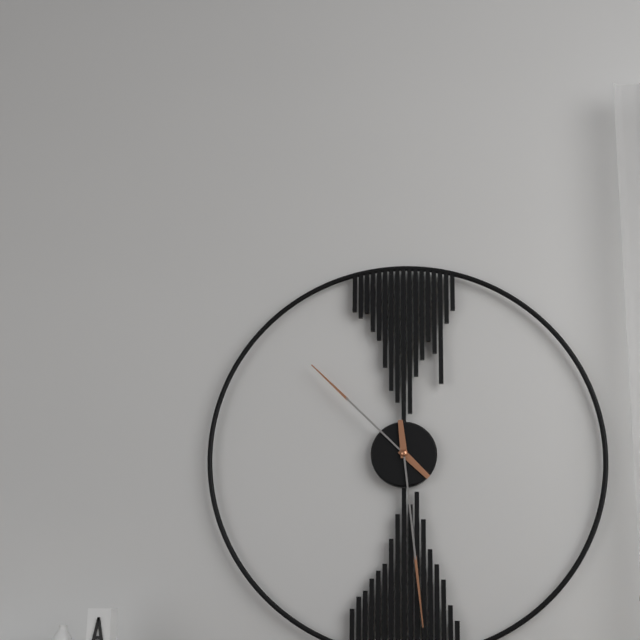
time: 10:29
